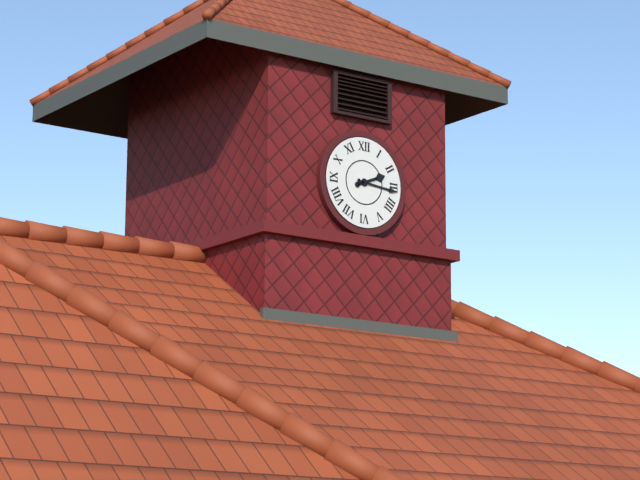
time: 2:16
